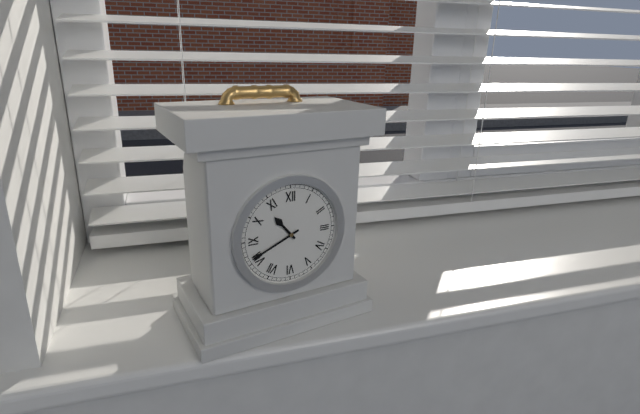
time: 10:41
